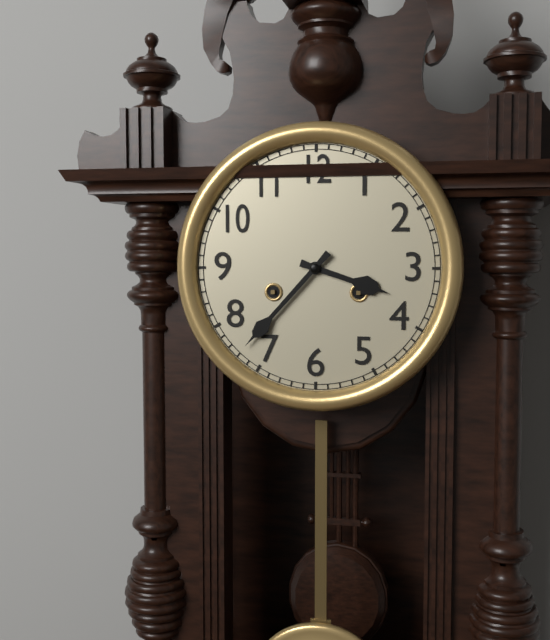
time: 3:37
